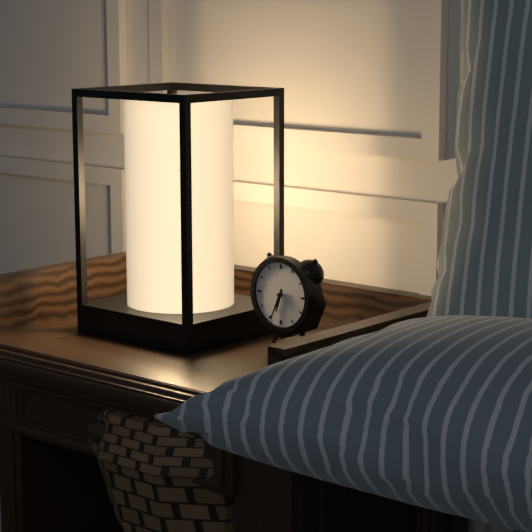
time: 6:34
